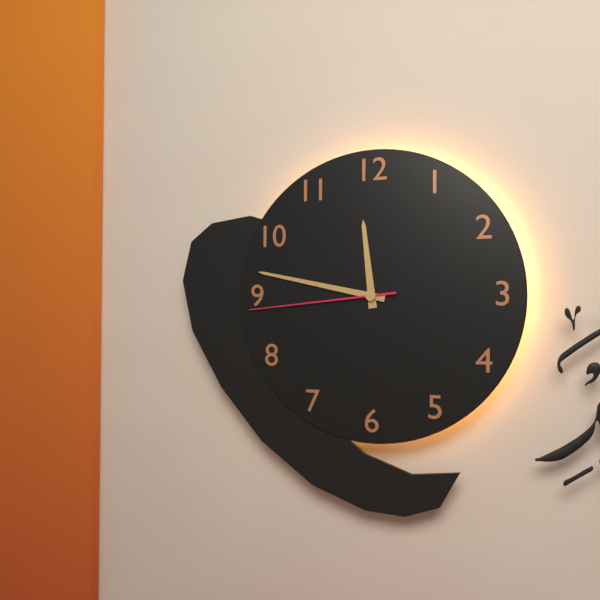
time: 11:47:44
